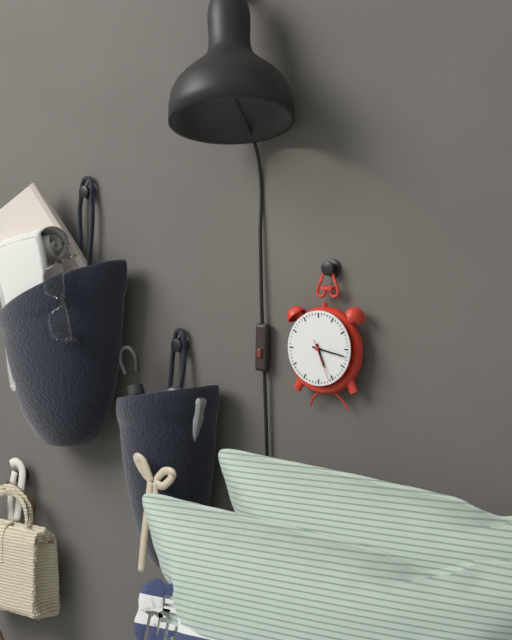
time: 5:17
